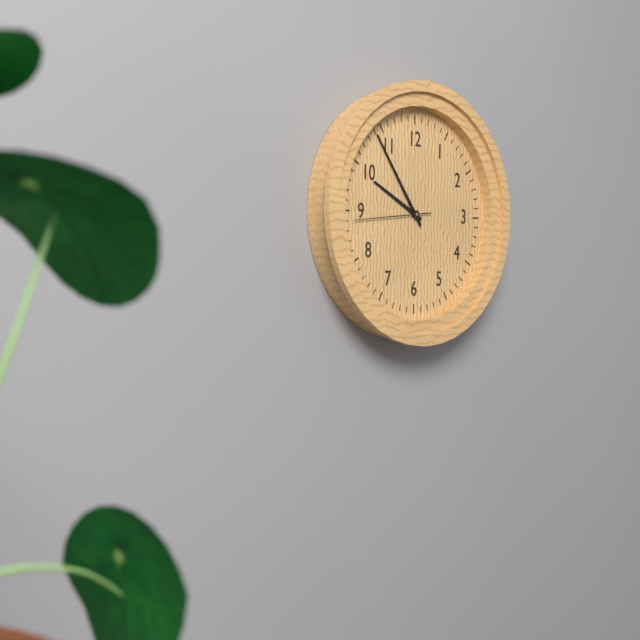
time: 9:54:44
